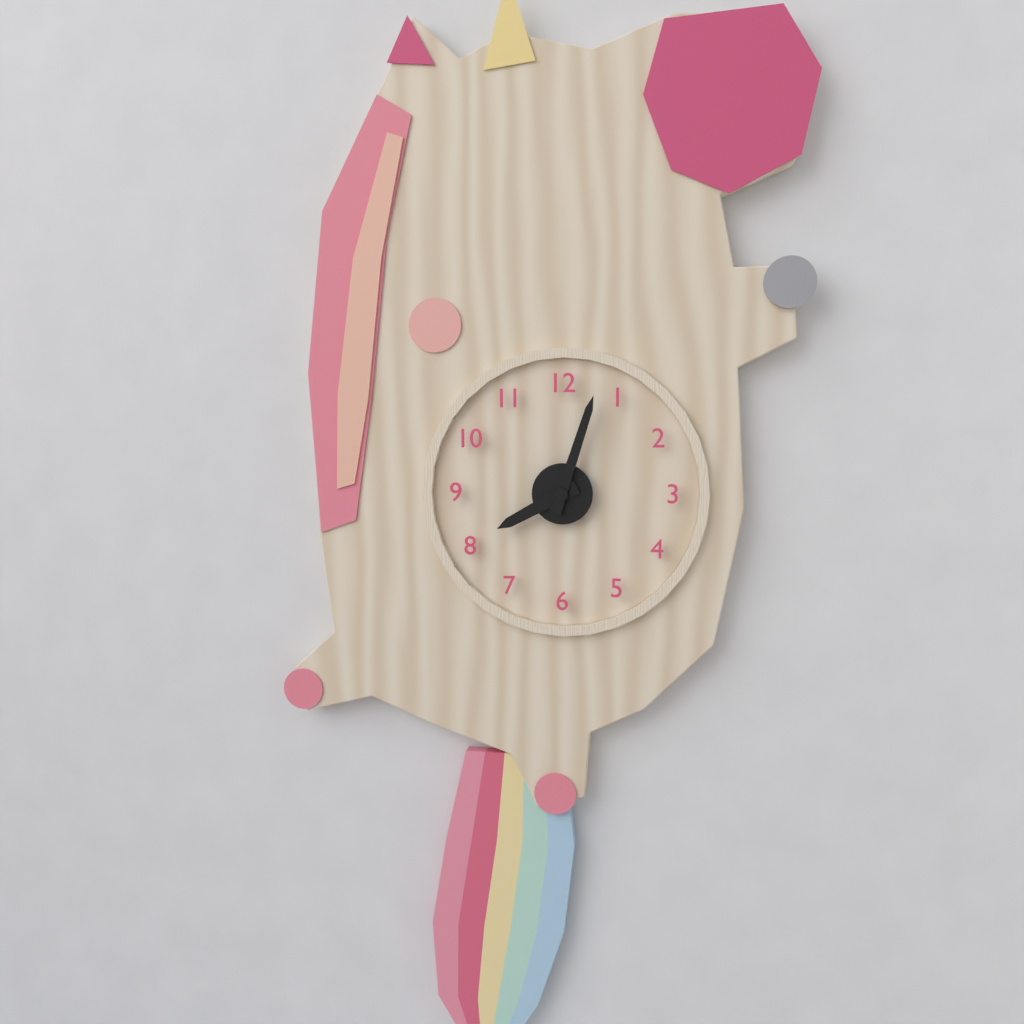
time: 8:03
